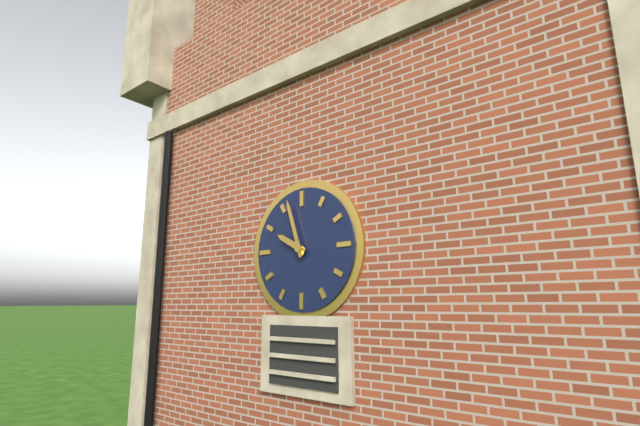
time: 9:57
